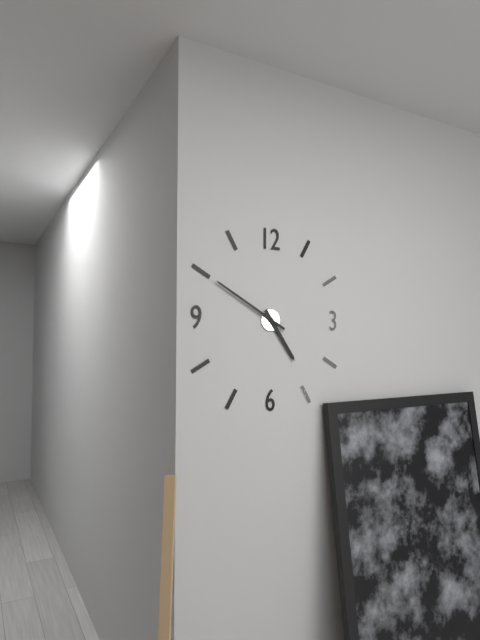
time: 4:50
